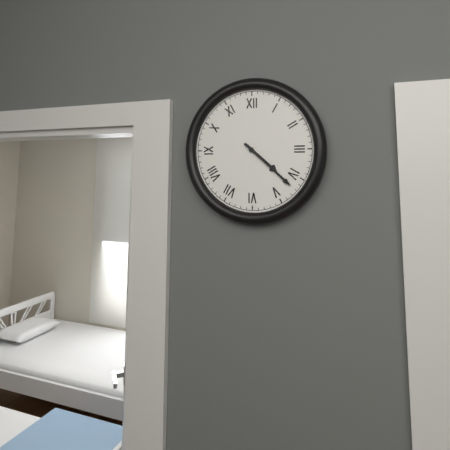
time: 4:22
